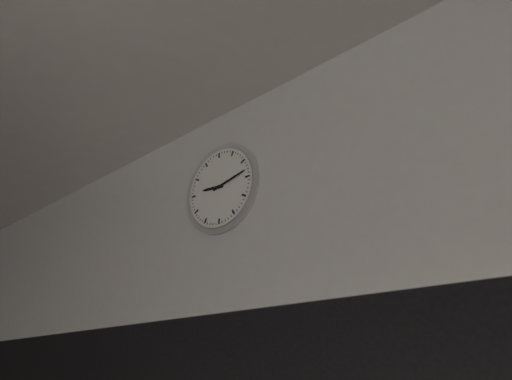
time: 9:13
